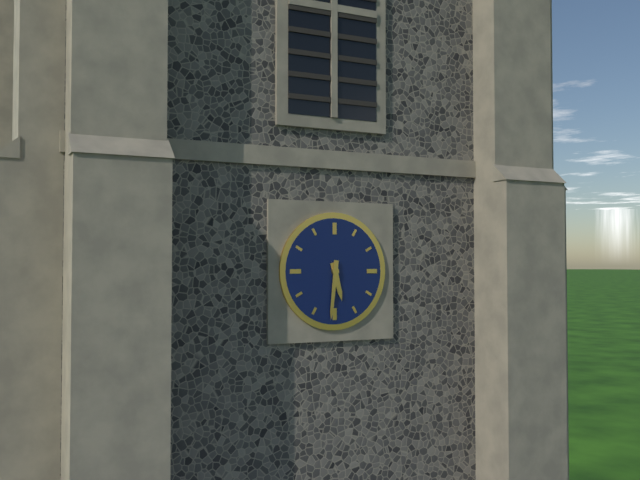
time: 5:31
